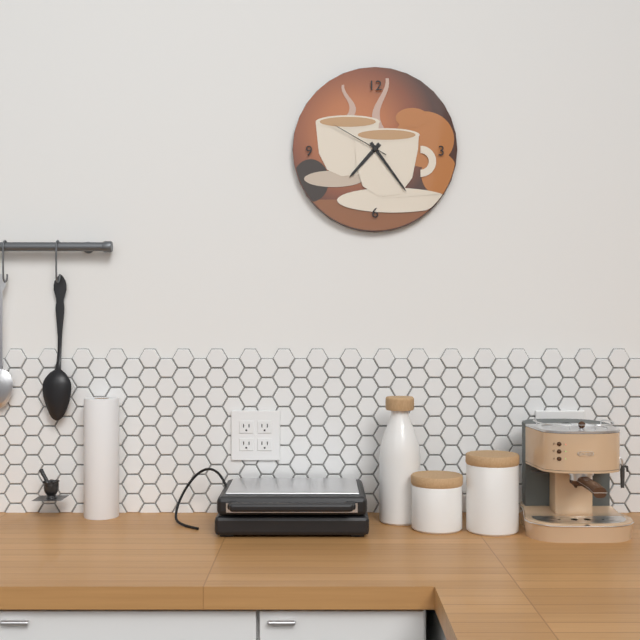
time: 7:24:50
